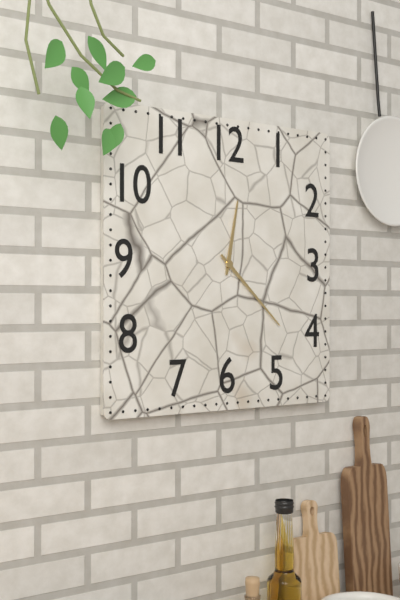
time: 12:22
